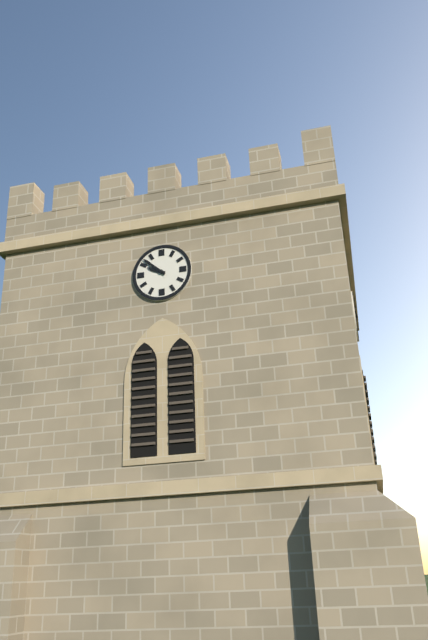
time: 9:52
